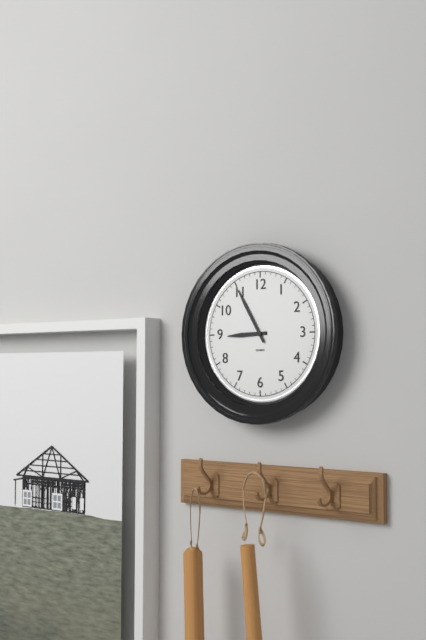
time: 8:55
